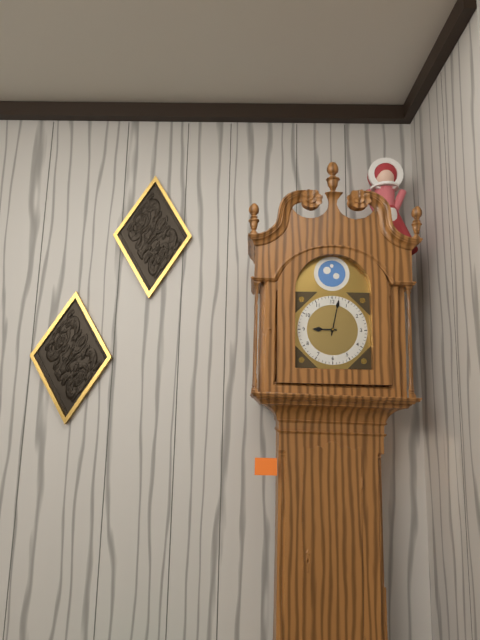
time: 9:02
